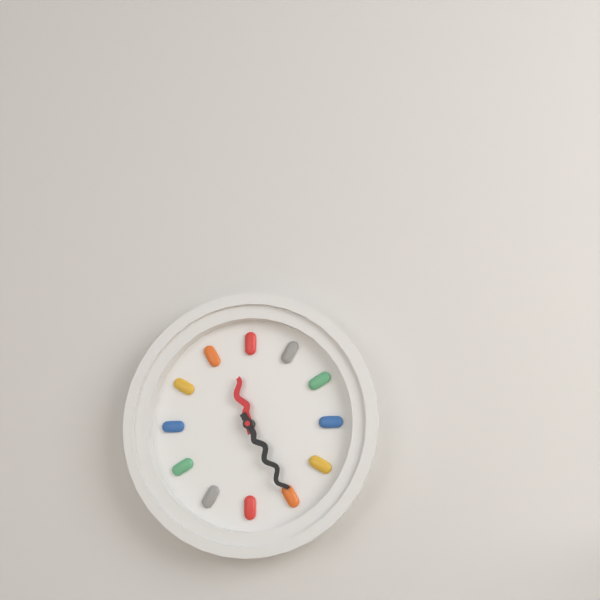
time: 11:25
